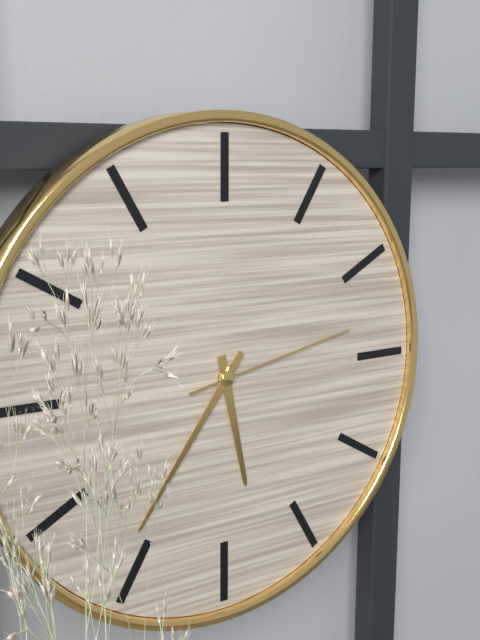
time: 5:36:13
